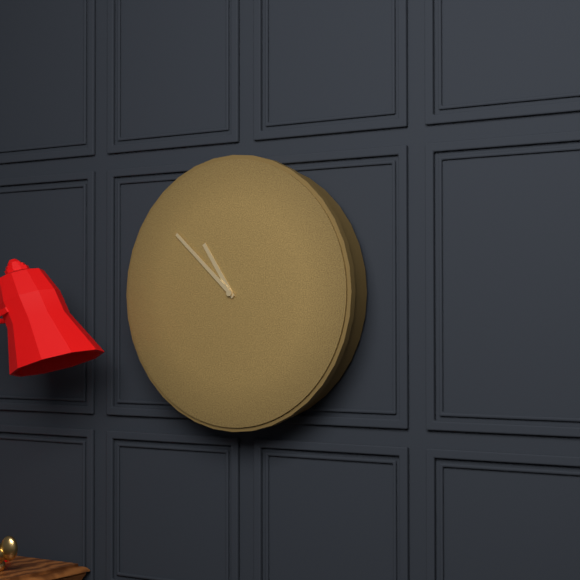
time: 10:52
